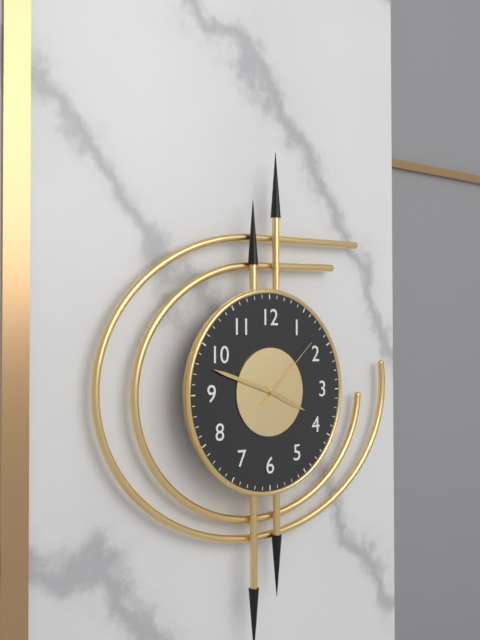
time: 3:48:08
